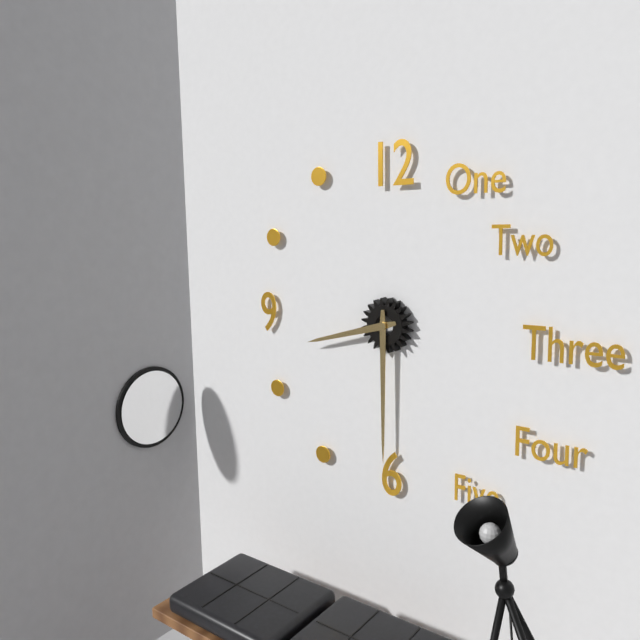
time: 8:30
